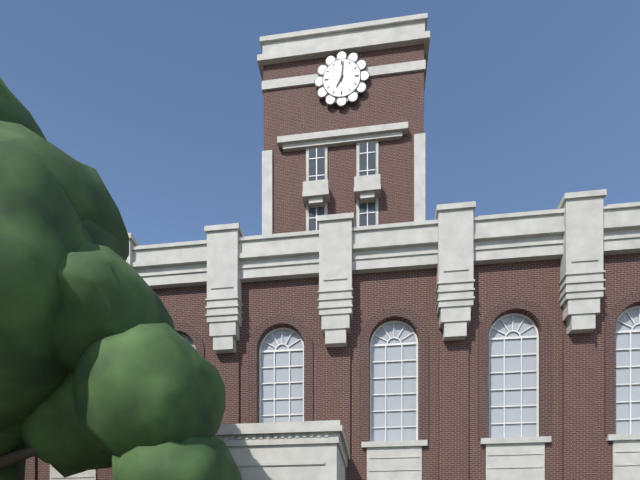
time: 7:01
